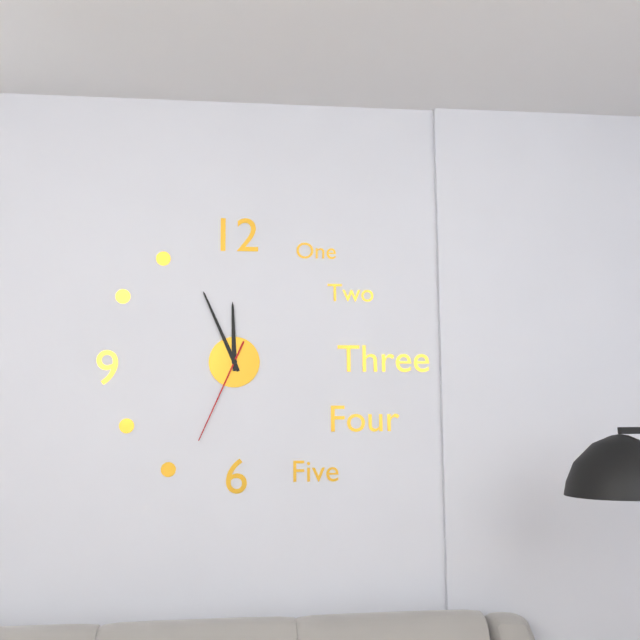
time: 11:56:34
